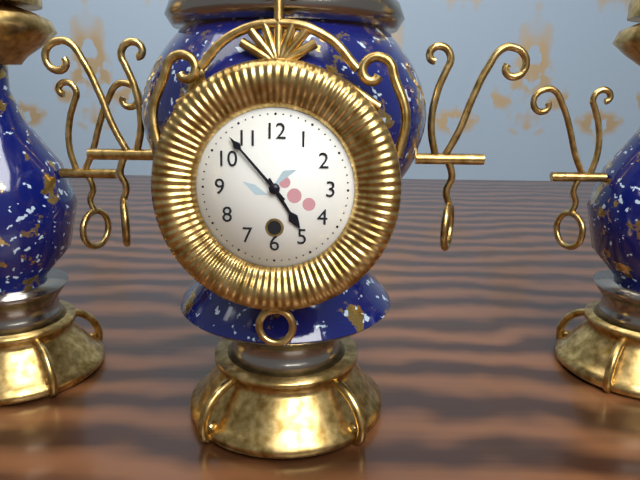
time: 4:53
